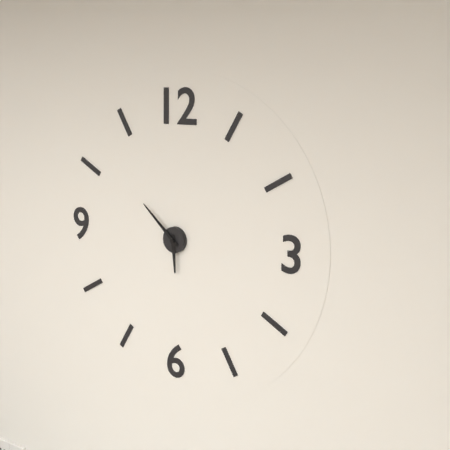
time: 5:52
